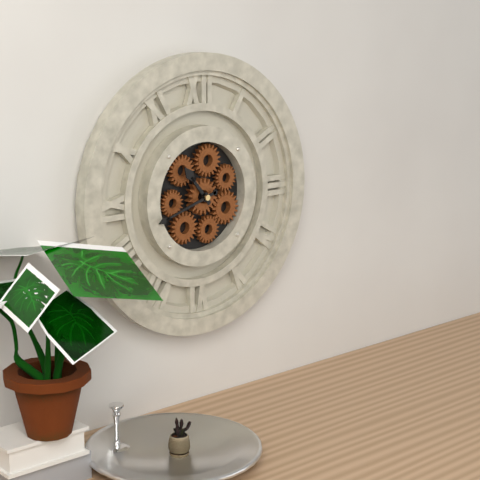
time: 10:42
